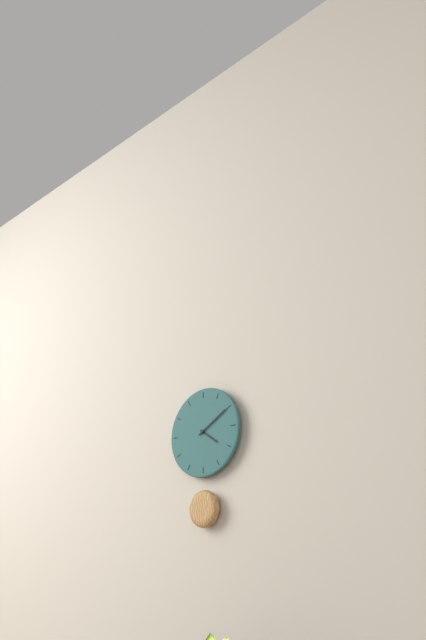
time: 4:10
